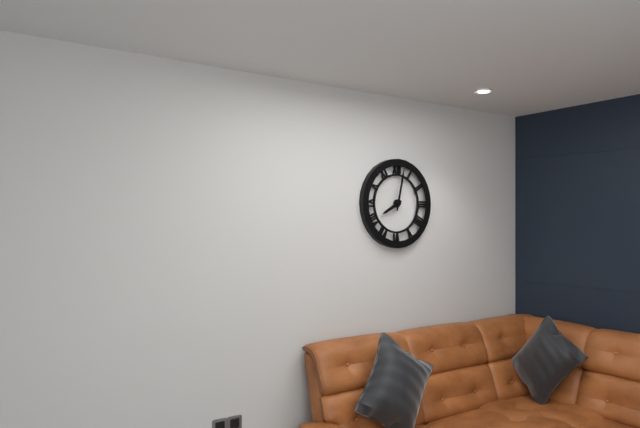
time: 8:02
